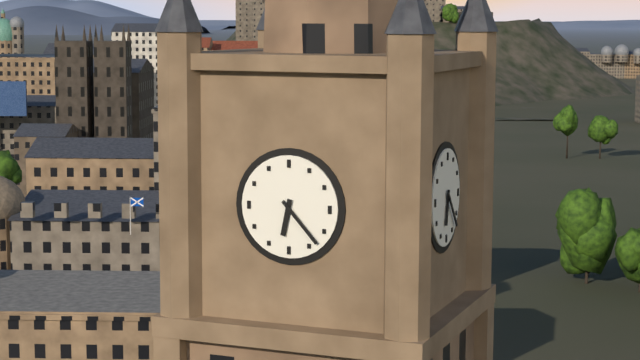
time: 6:23
